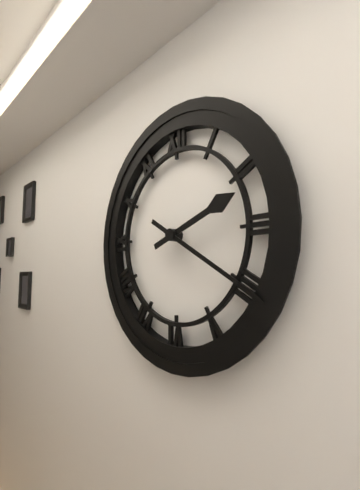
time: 2:20
